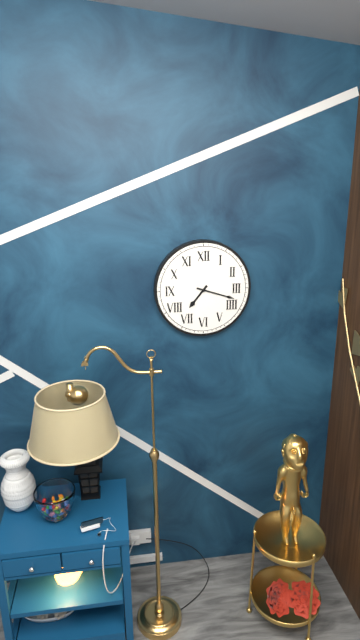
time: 7:18
